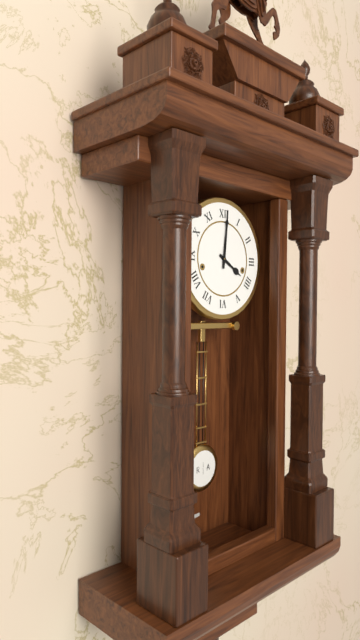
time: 4:01
